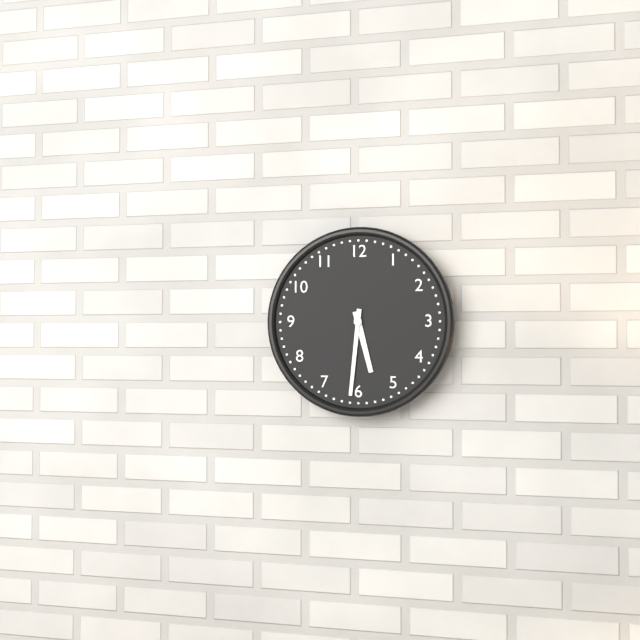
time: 5:31
